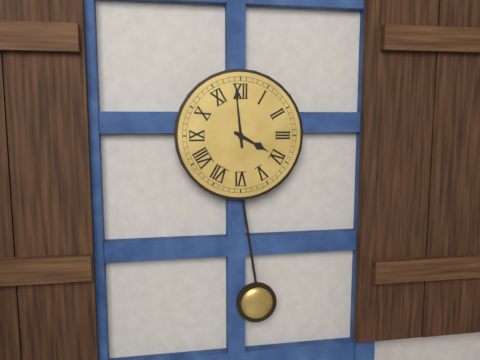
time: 3:59
